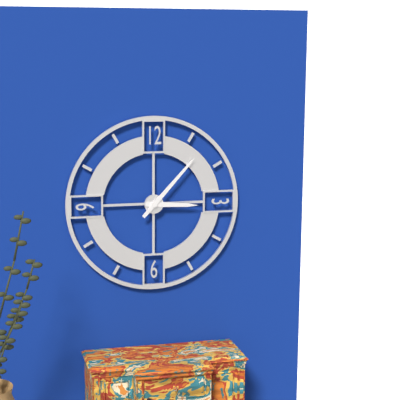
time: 3:07
